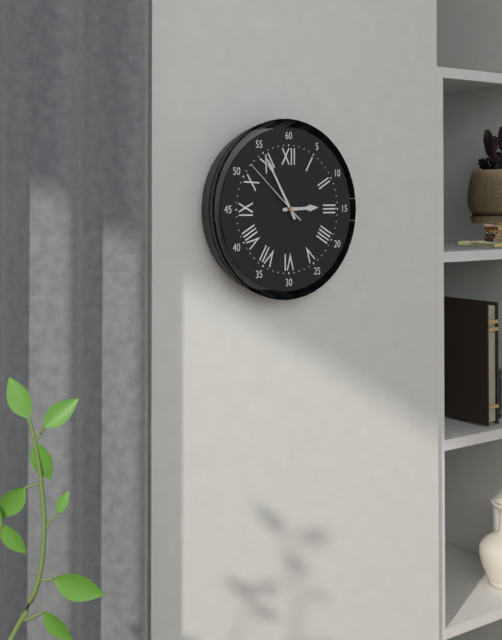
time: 2:55:52
